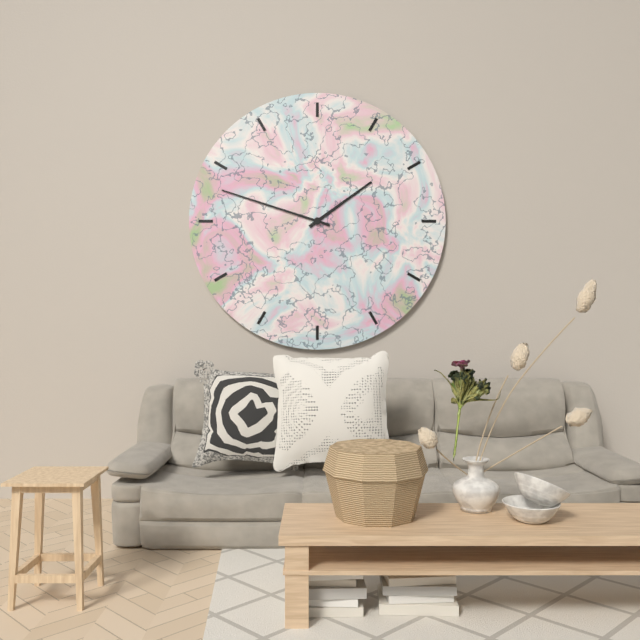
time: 1:48
